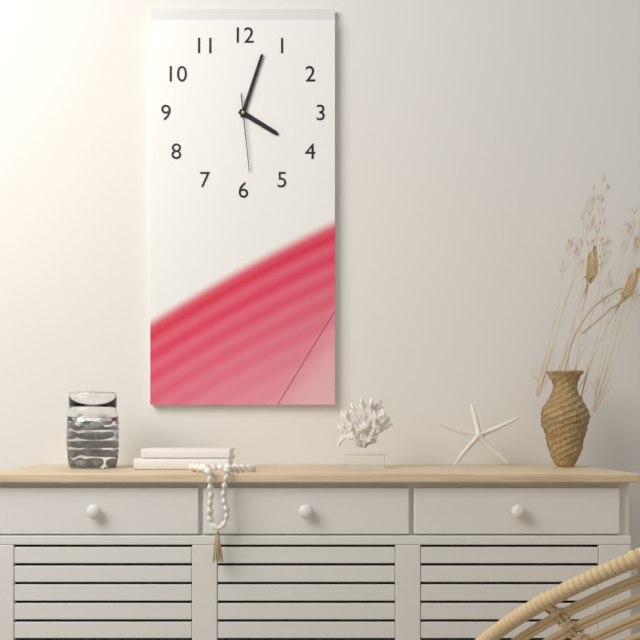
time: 4:03:29
